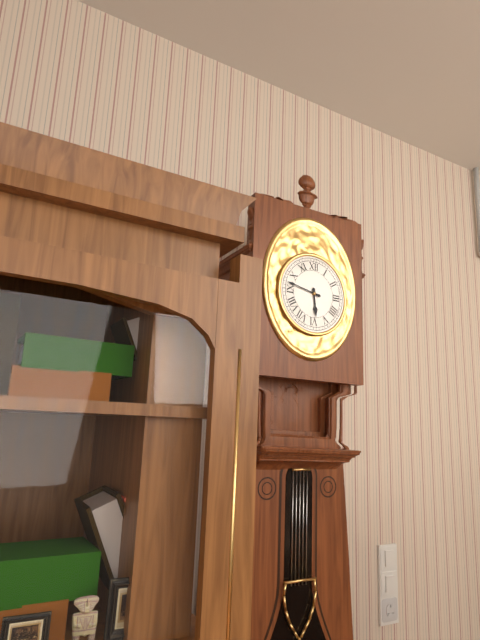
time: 5:47
